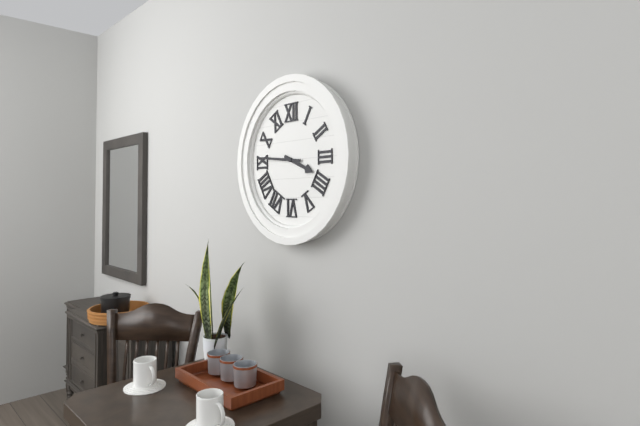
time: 3:46
